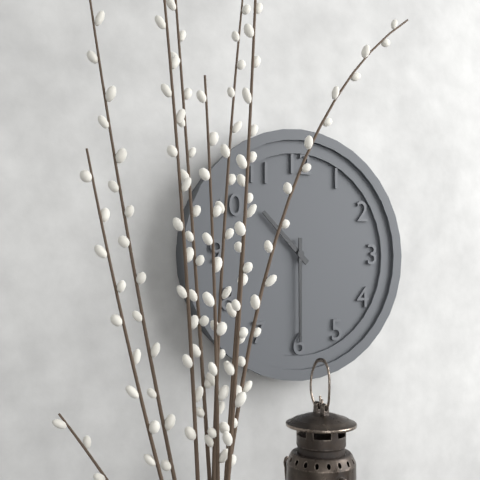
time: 10:30
